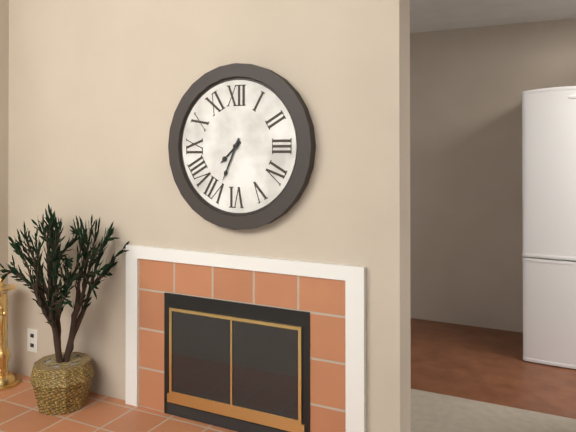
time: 7:34
